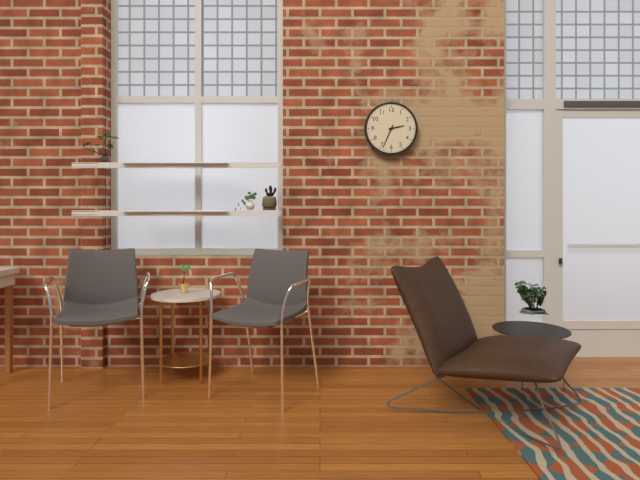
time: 2:34
